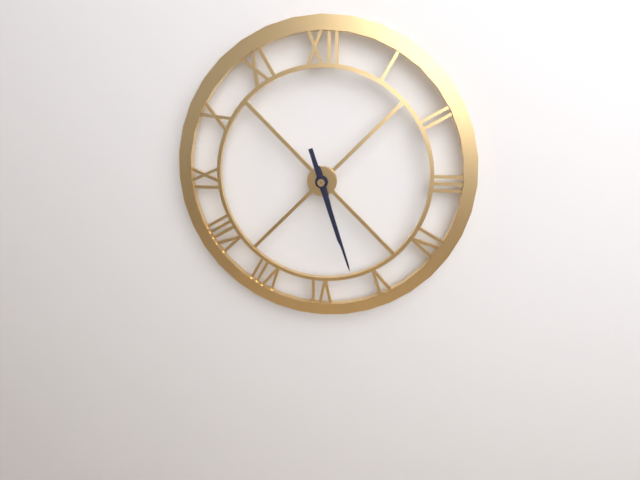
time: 5:27
